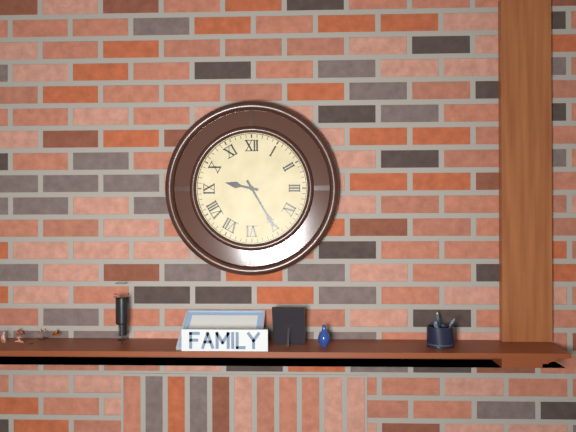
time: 9:25
